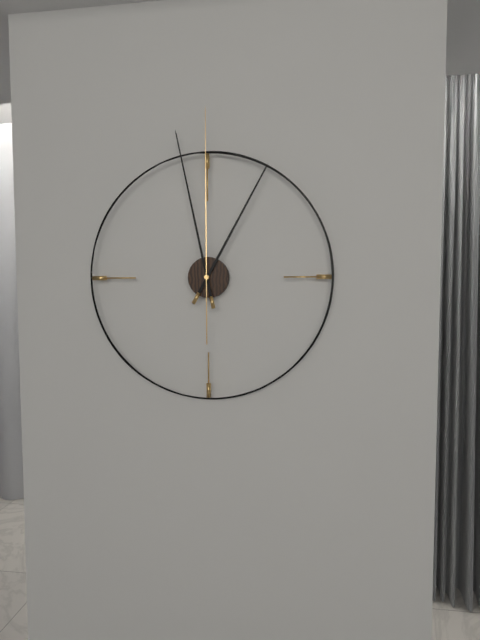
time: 12:58:00
